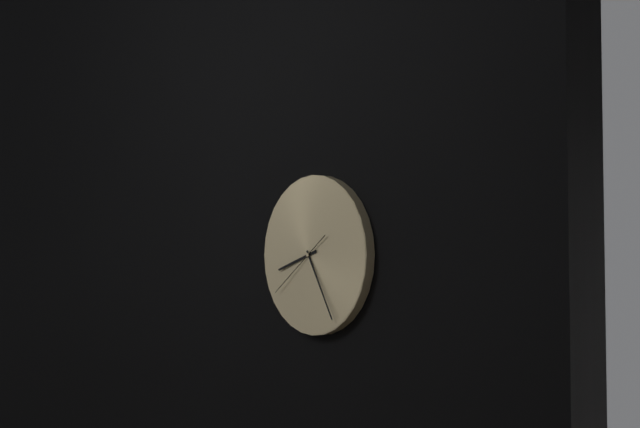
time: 8:25:39
